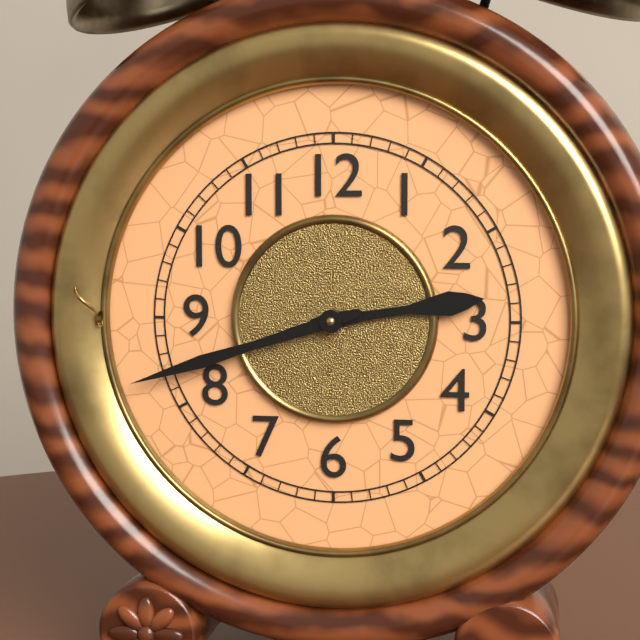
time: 2:42
